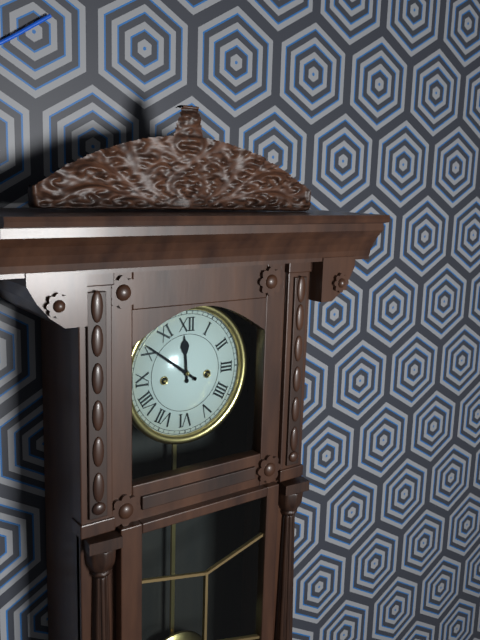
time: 11:51
